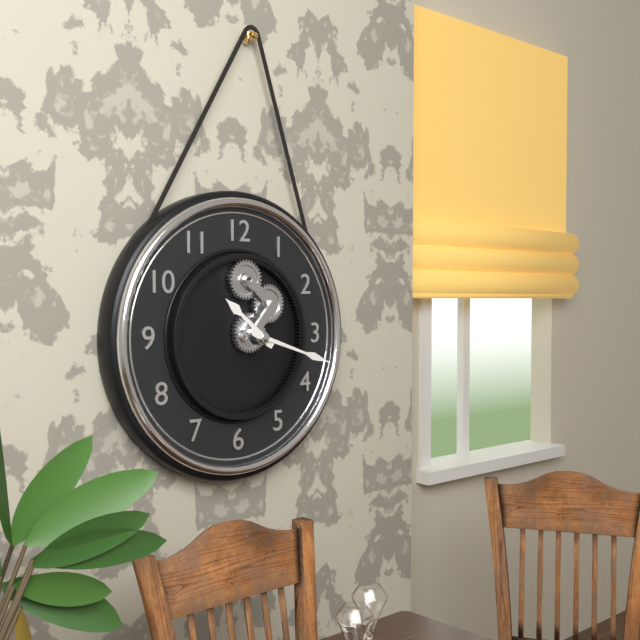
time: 10:18
